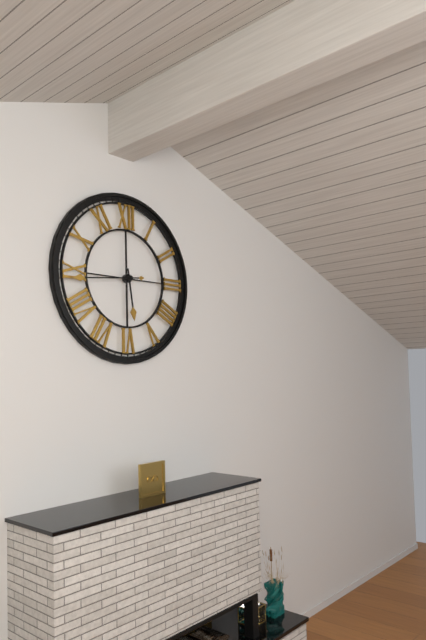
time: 5:44
